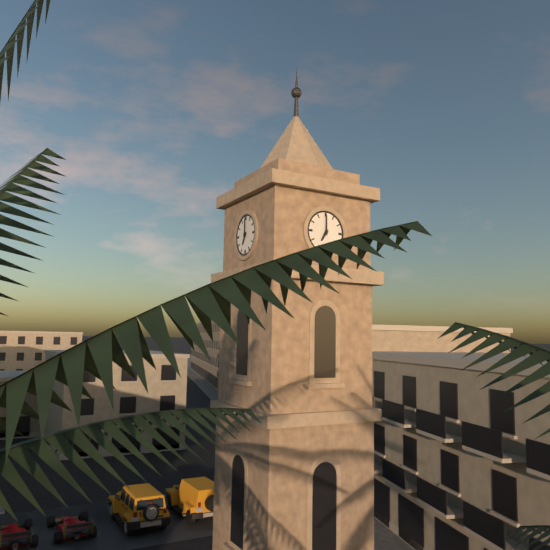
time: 7:00
